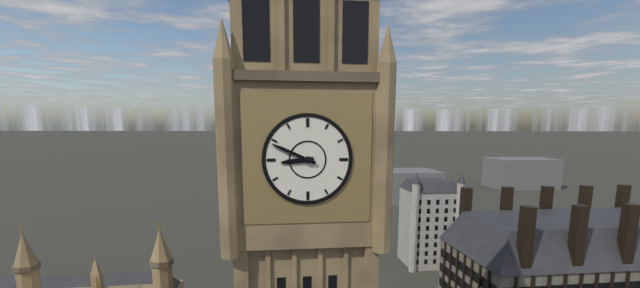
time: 8:49
